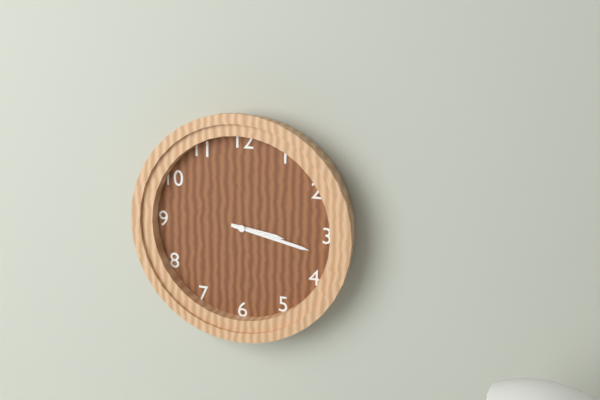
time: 3:17
